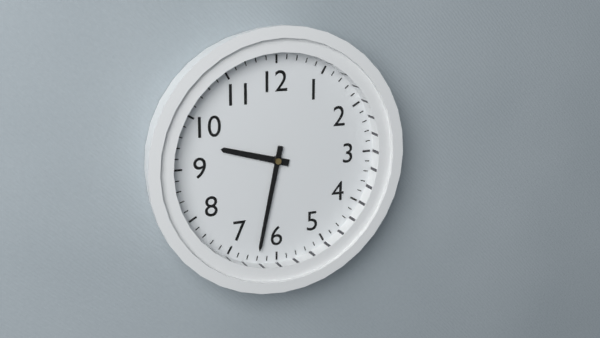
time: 9:32
